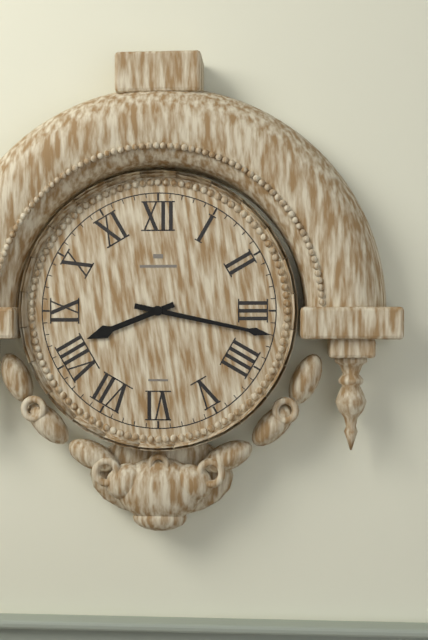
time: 8:17
